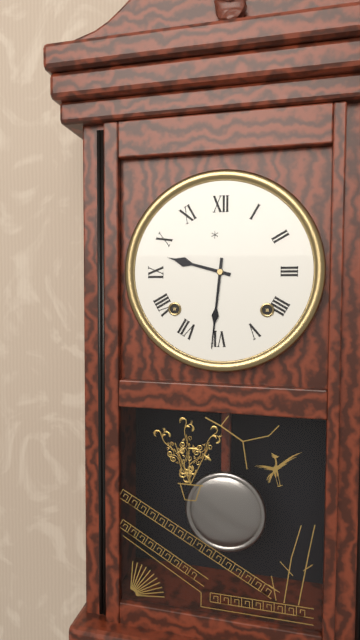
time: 9:31
